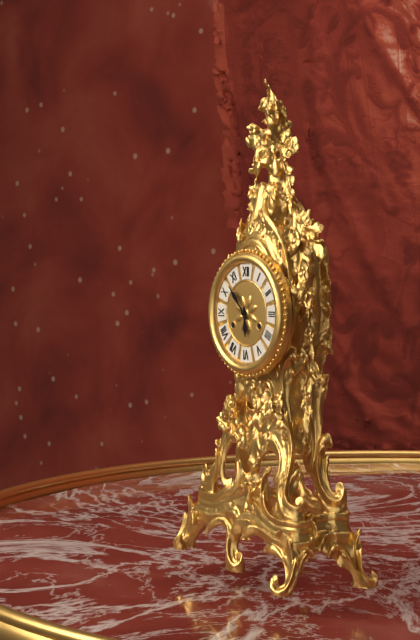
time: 5:53
